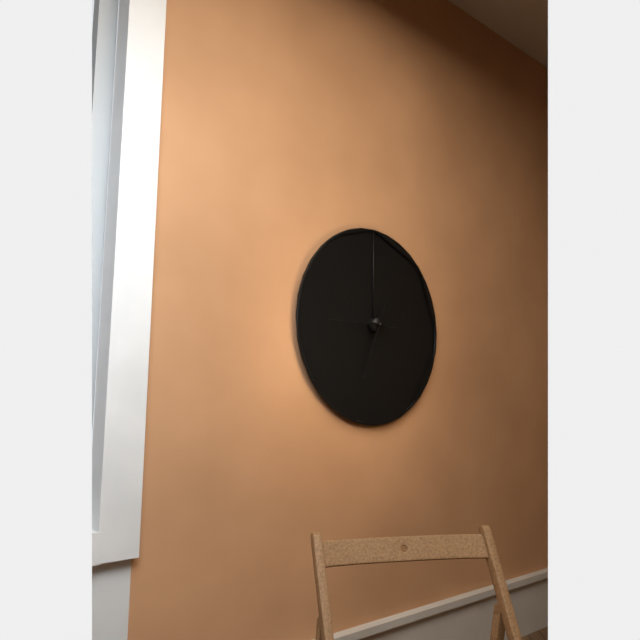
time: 6:45
